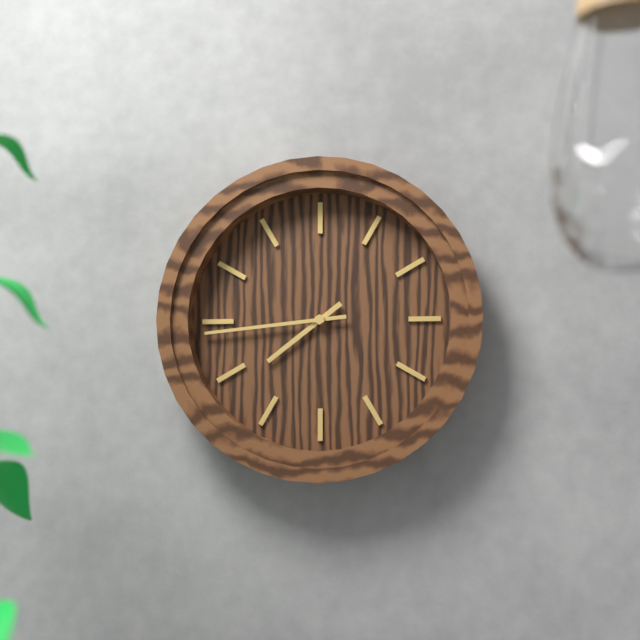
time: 7:44
